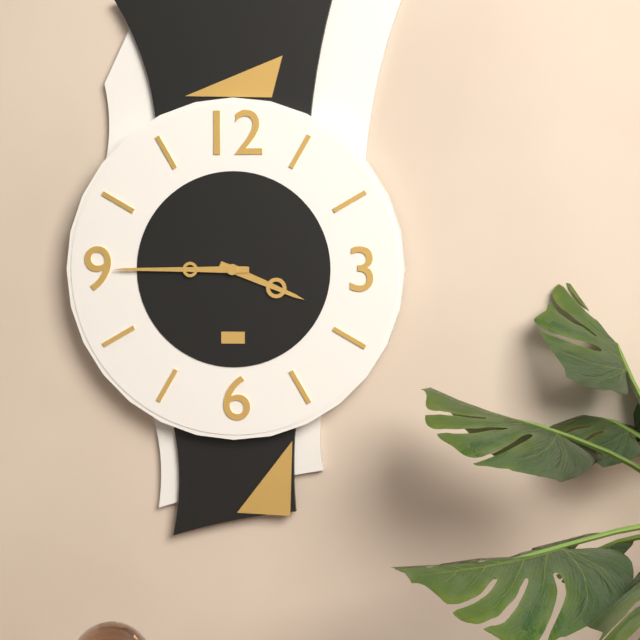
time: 3:45
